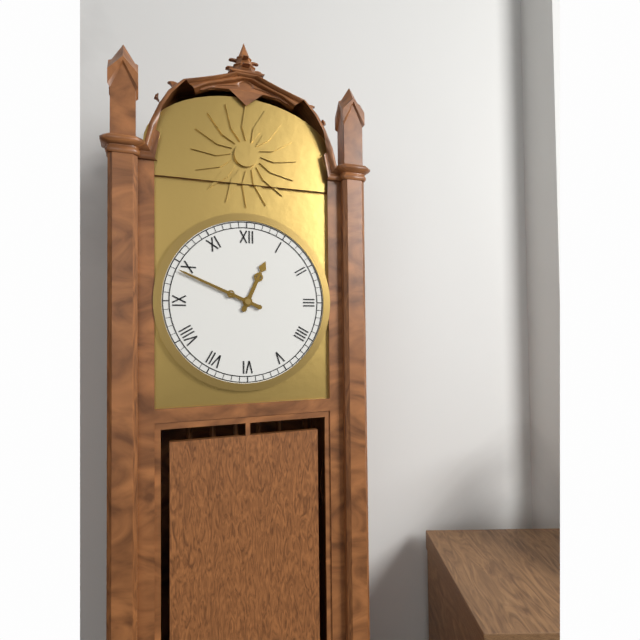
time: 12:49
